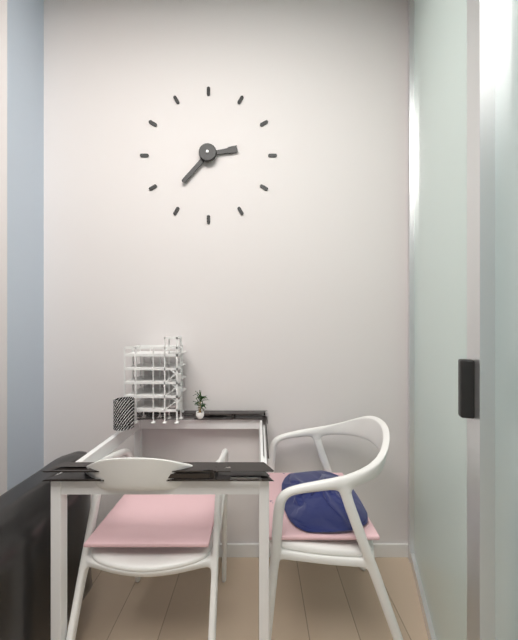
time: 2:37
